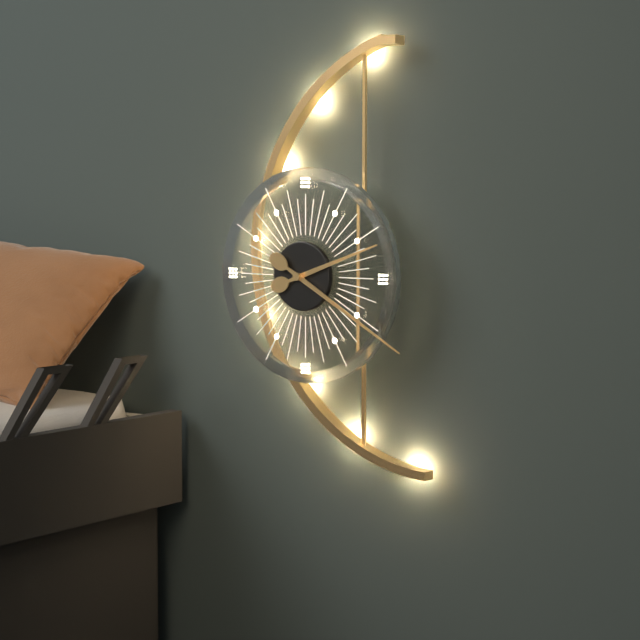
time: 2:20
